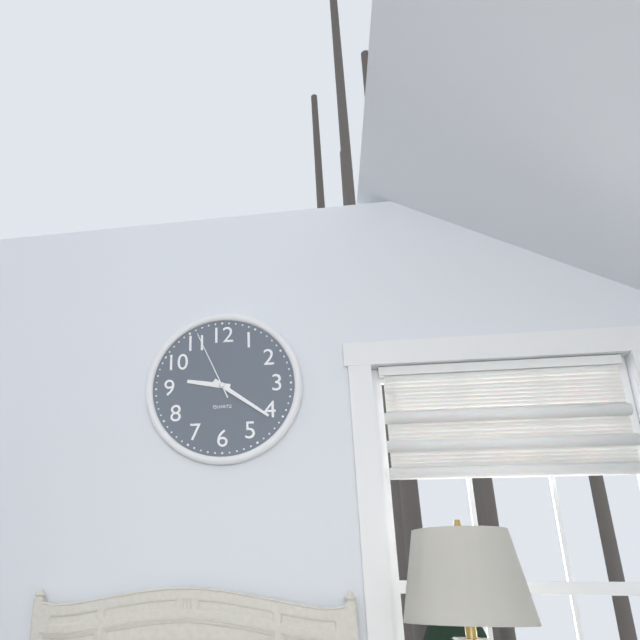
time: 9:21:56
